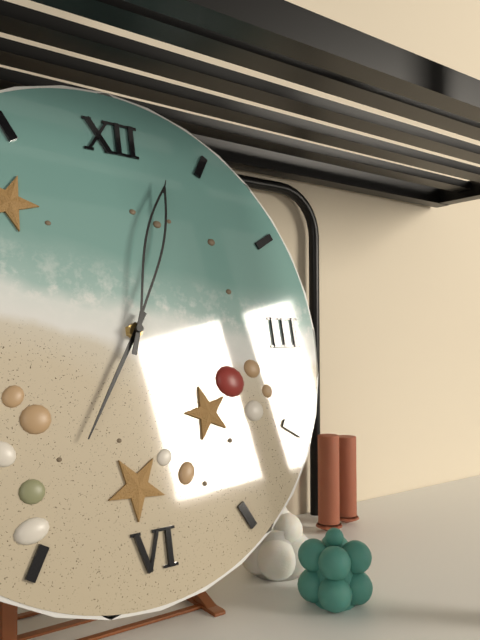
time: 7:03
